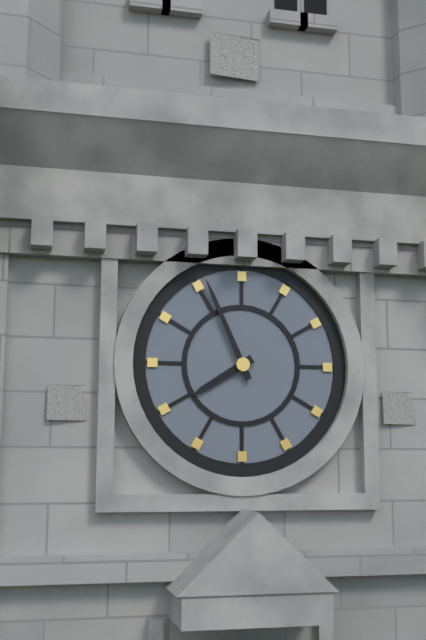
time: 7:56
